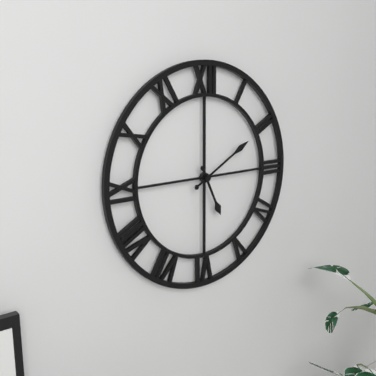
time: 5:10
